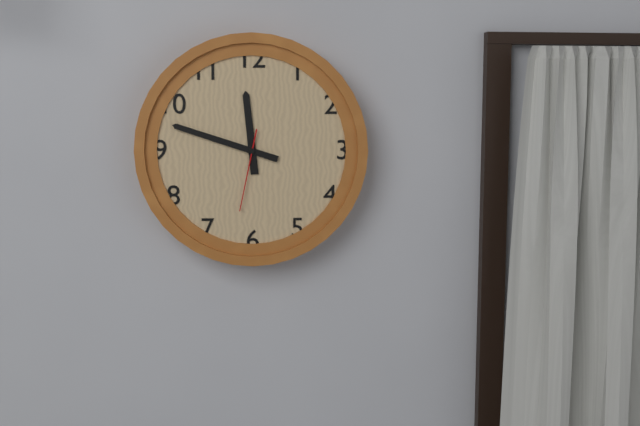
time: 11:48:32
